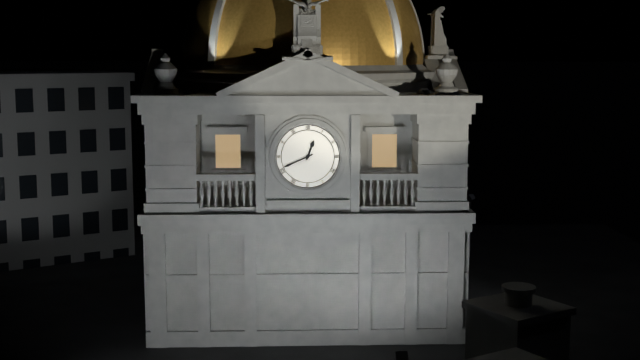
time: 12:41
